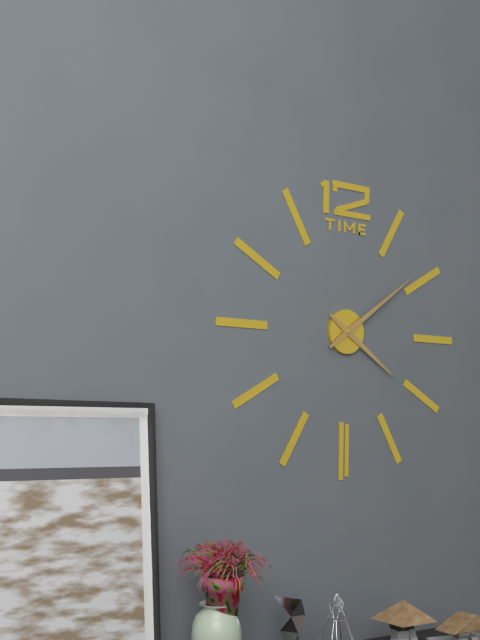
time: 4:09
